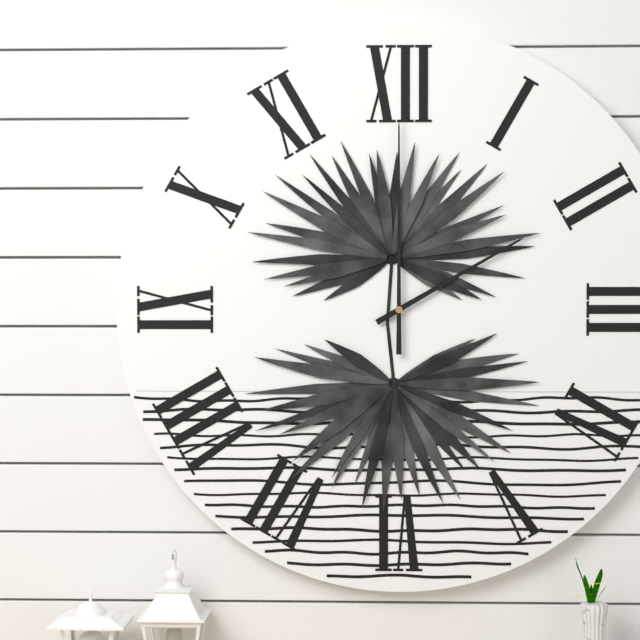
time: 2:00
